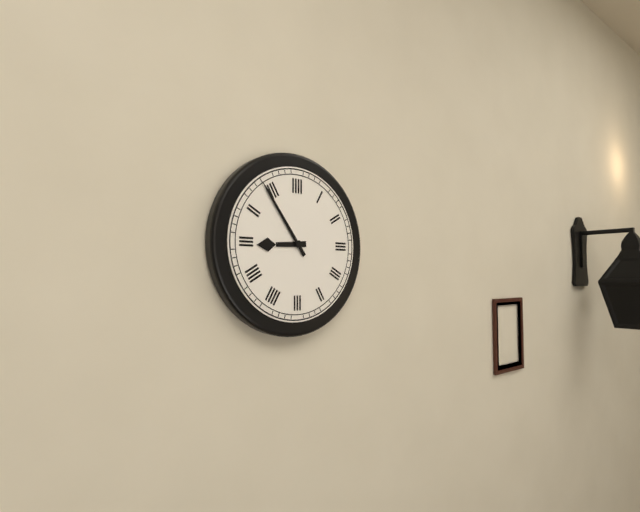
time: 8:54
